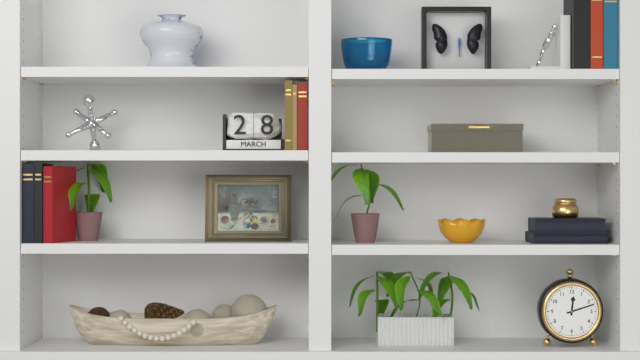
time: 12:12
